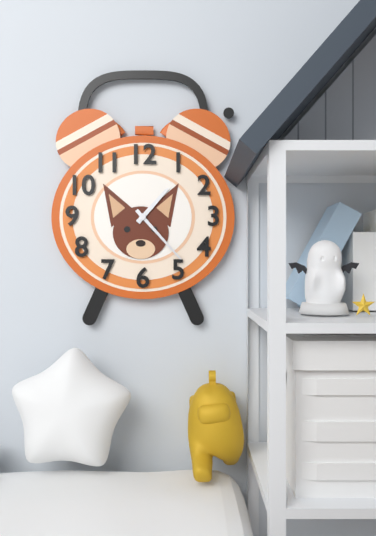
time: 1:23
